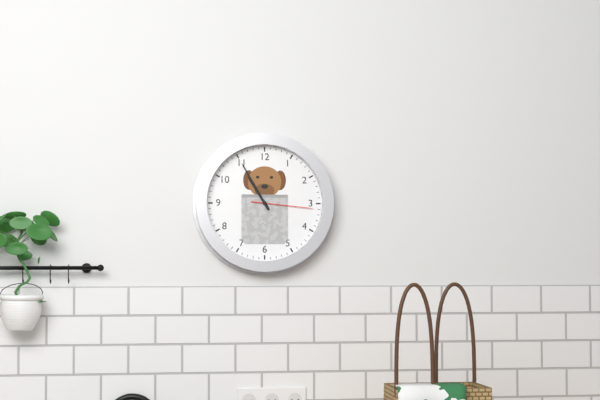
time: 10:55:16
